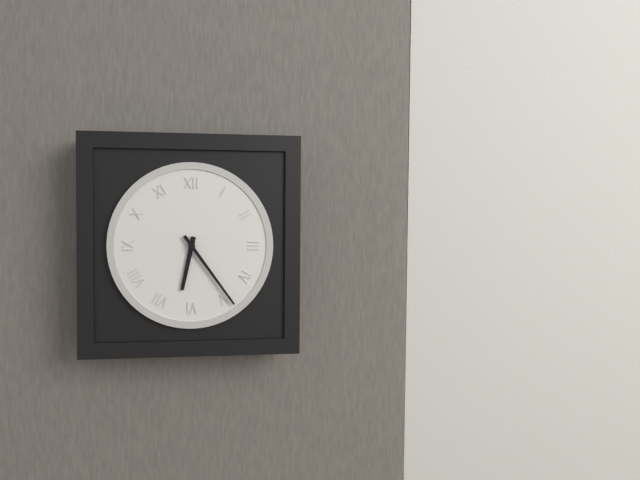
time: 6:24
